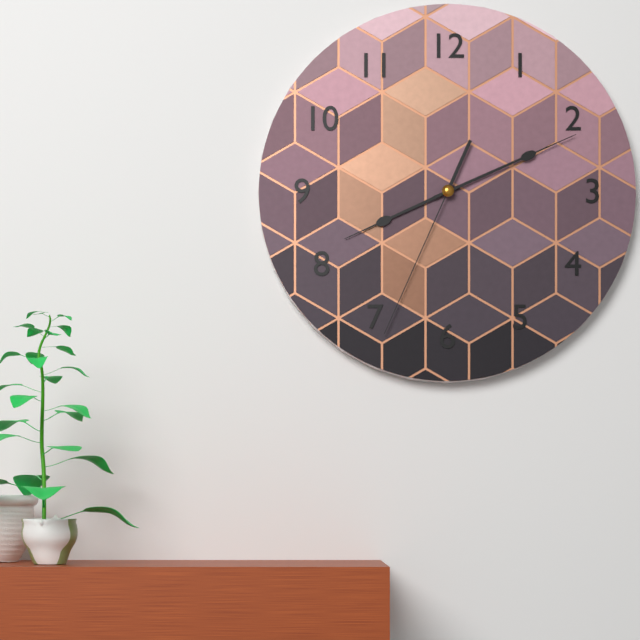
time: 8:11:34
